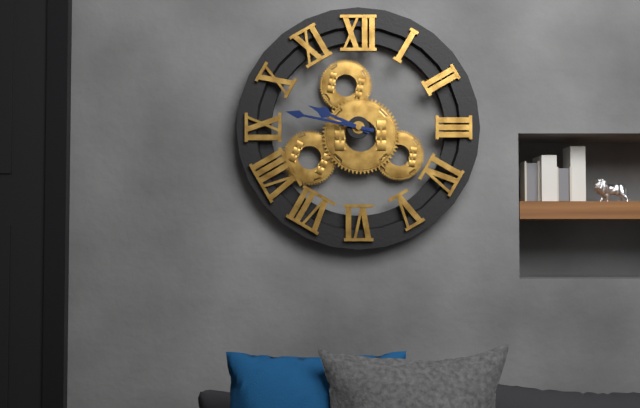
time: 9:47
